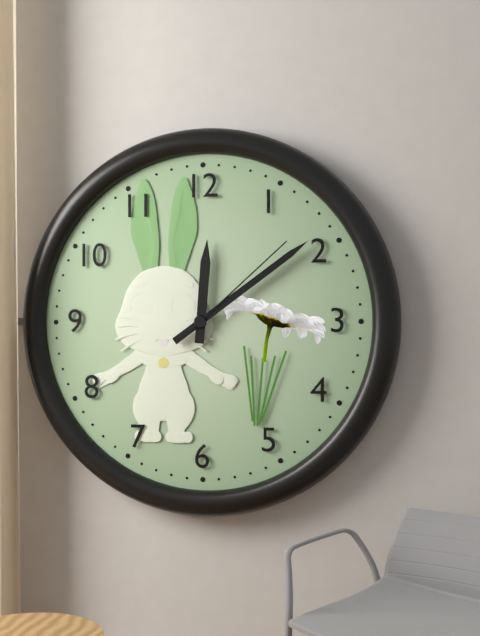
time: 12:09:08
